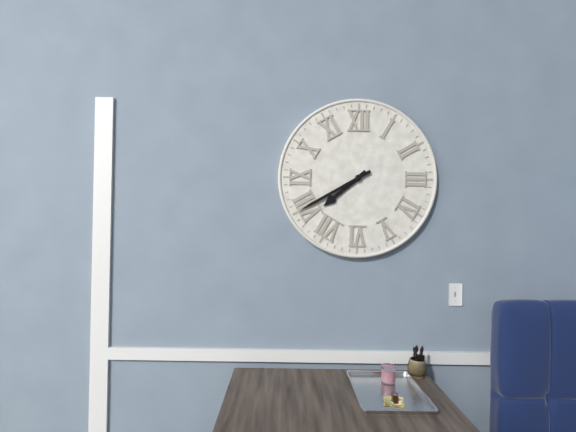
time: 7:40
